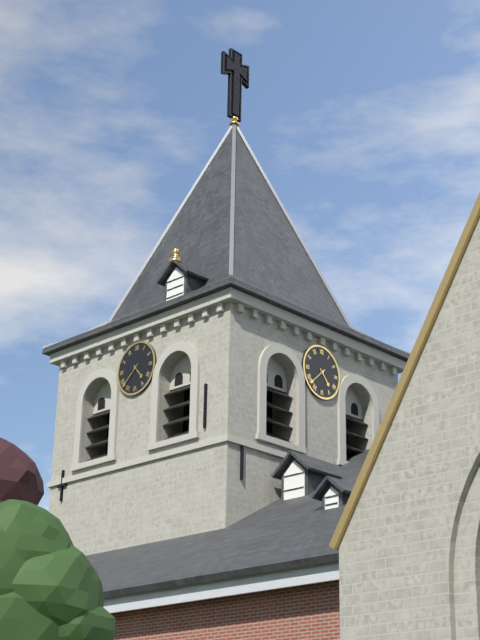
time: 4:38
